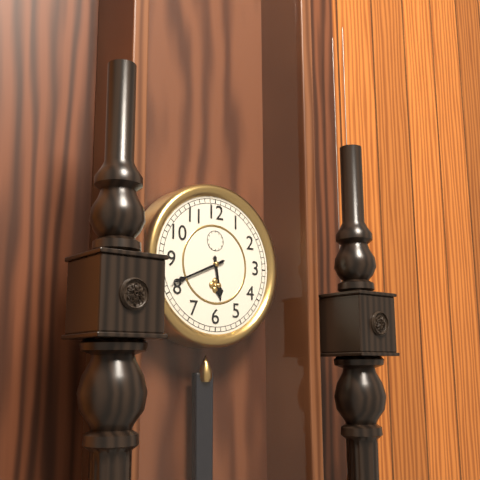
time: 5:41
